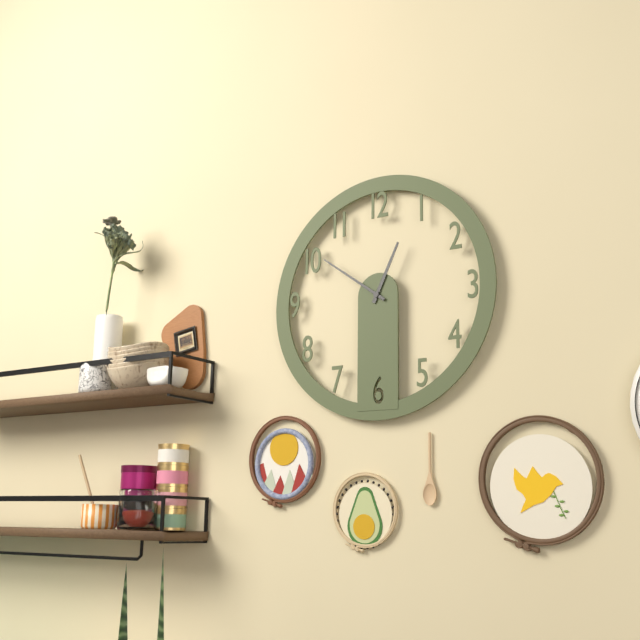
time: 12:51
